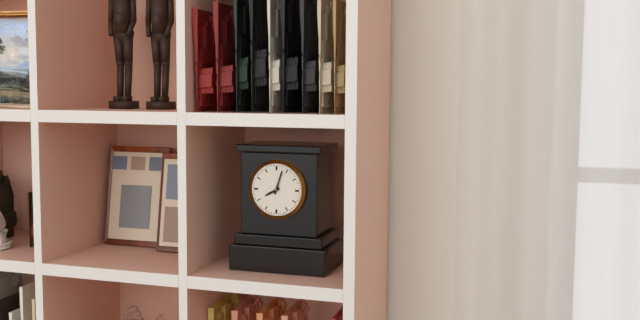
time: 8:03
